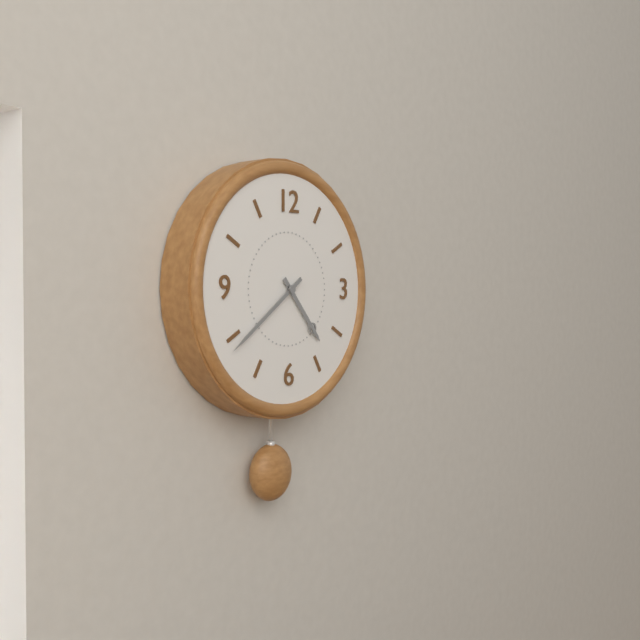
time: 4:39
